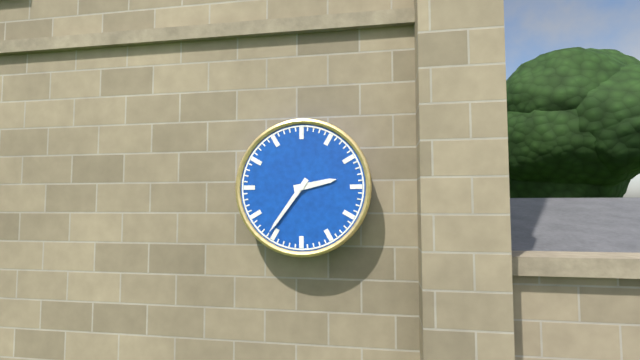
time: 2:36
